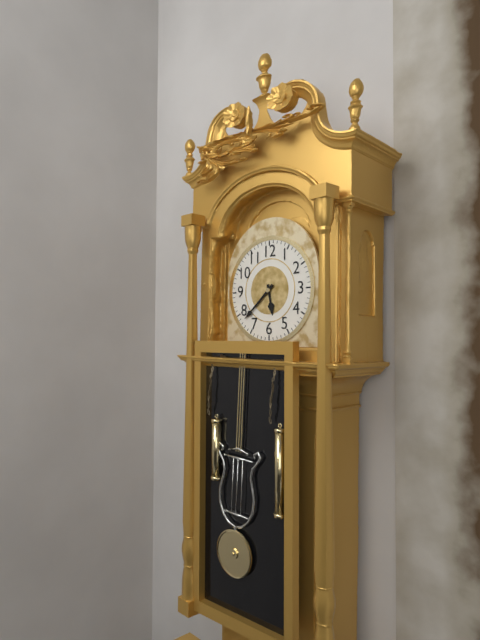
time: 5:38
